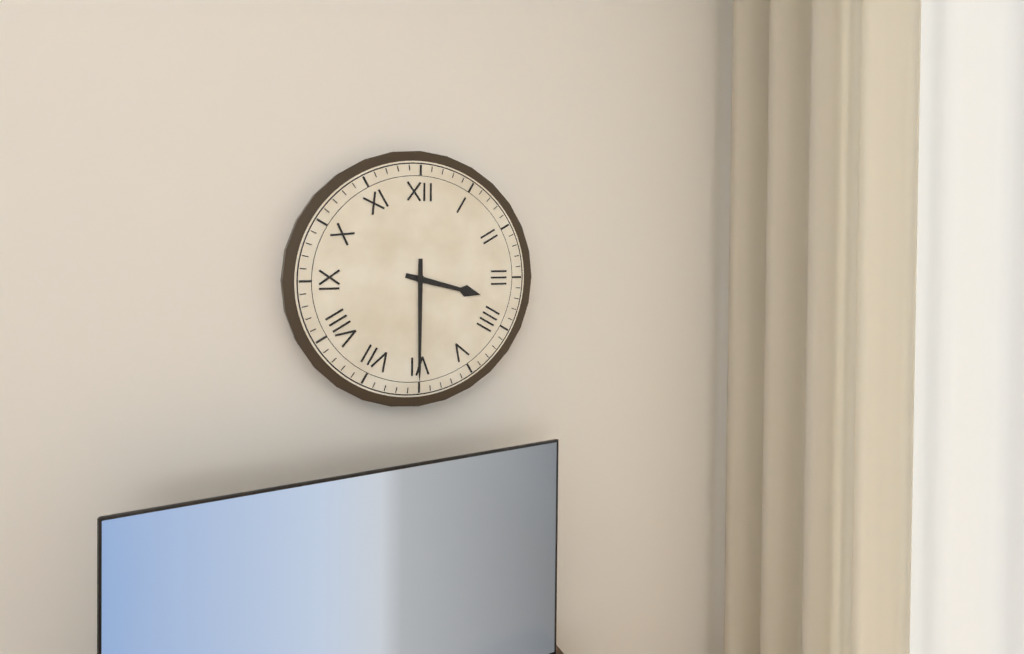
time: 3:30
